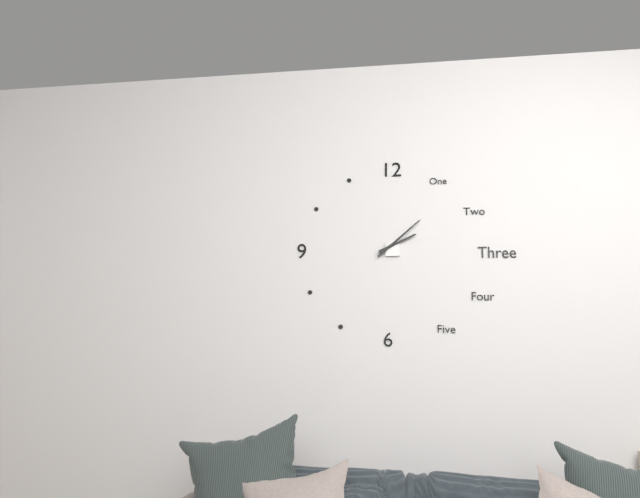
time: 2:08
